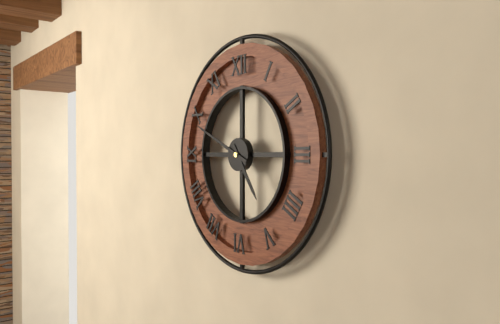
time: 4:49
